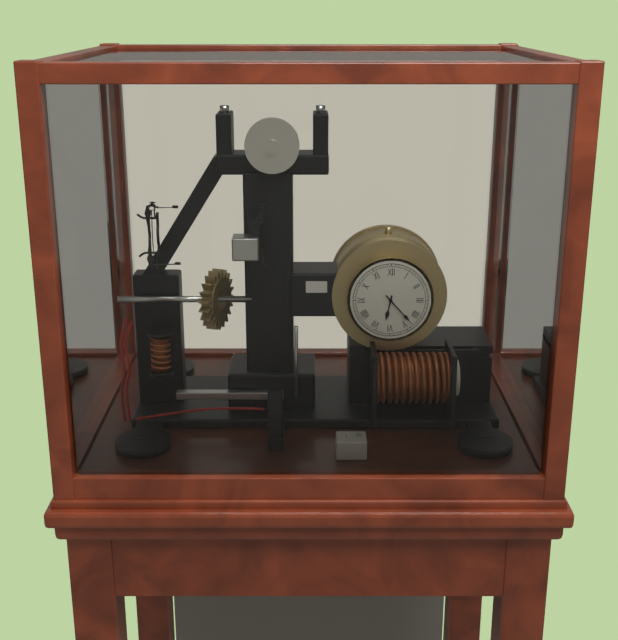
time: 6:23
